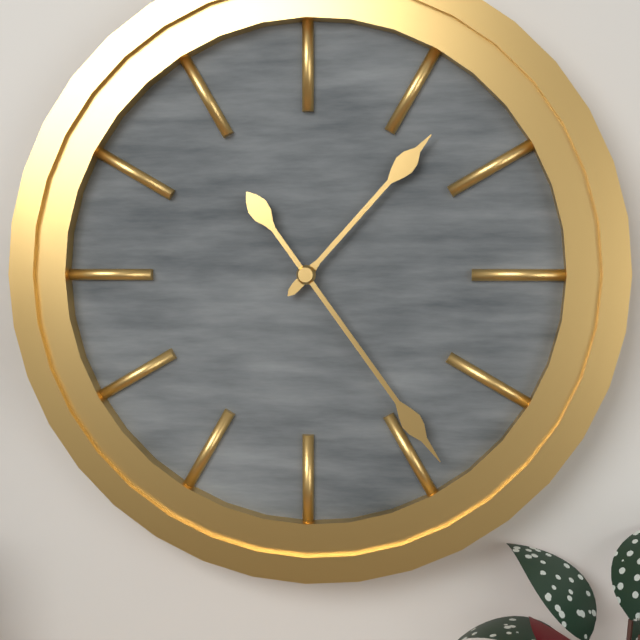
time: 1:24
